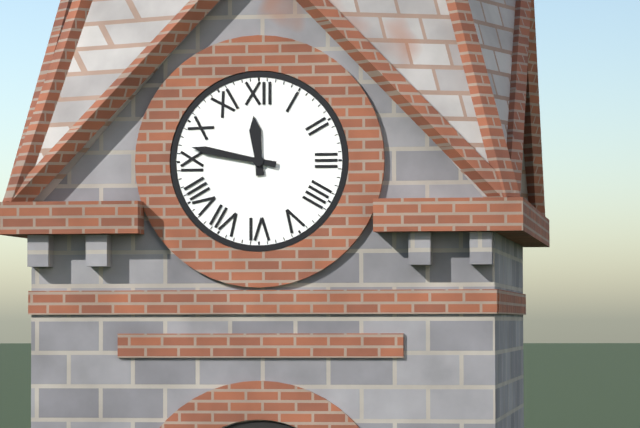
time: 11:47
